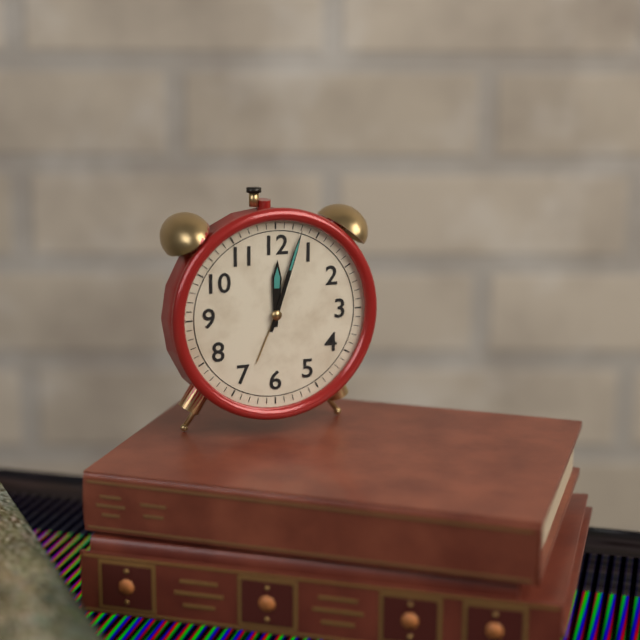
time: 12:03
